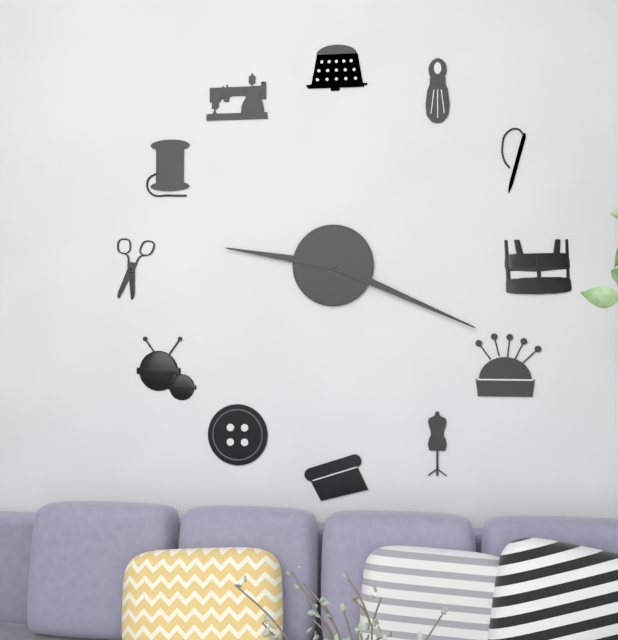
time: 9:19
